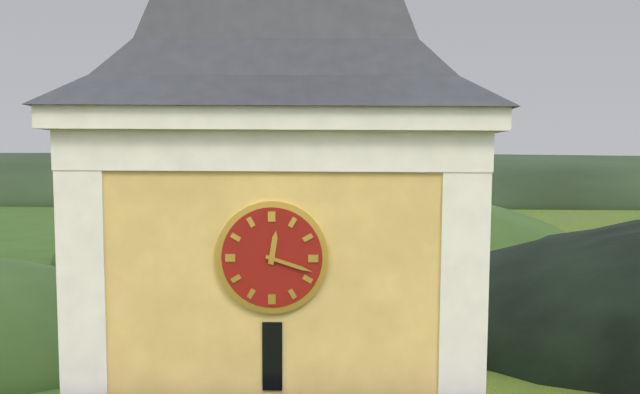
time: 12:18
